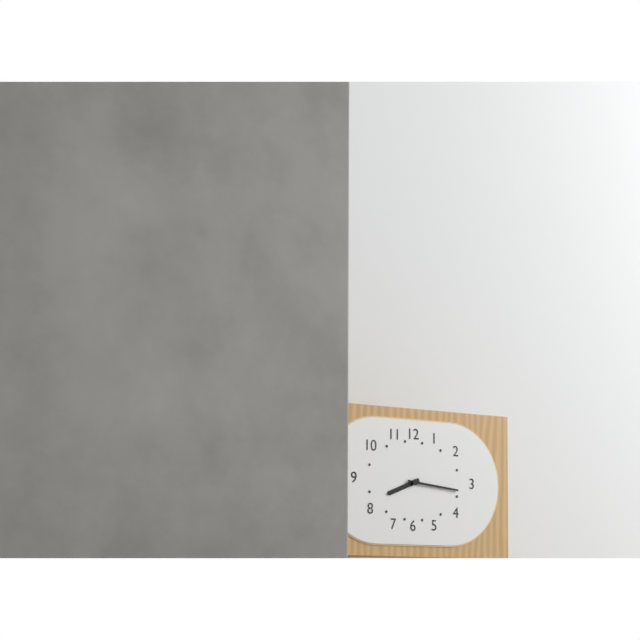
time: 8:16
